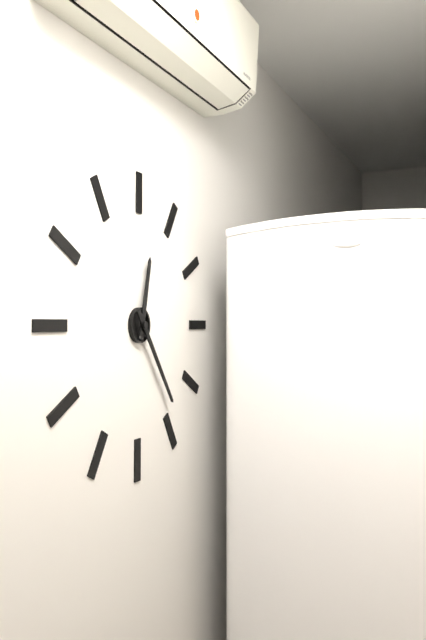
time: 12:24
